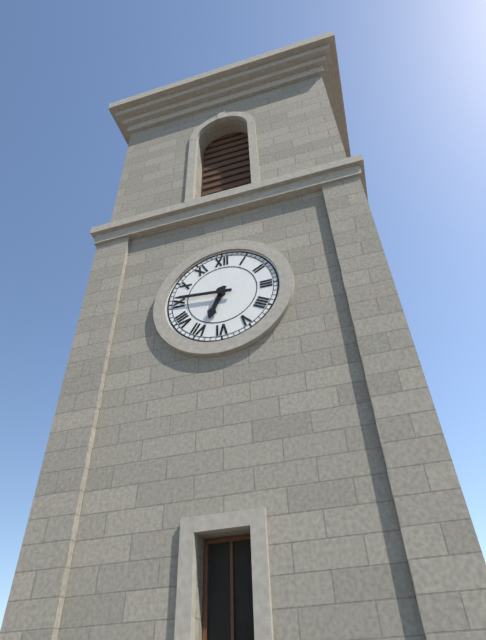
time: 6:46
